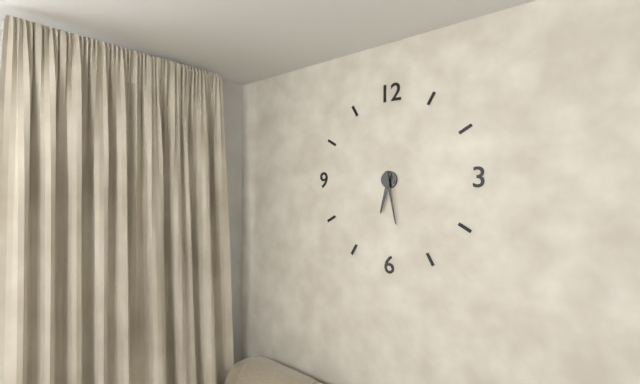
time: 6:28
